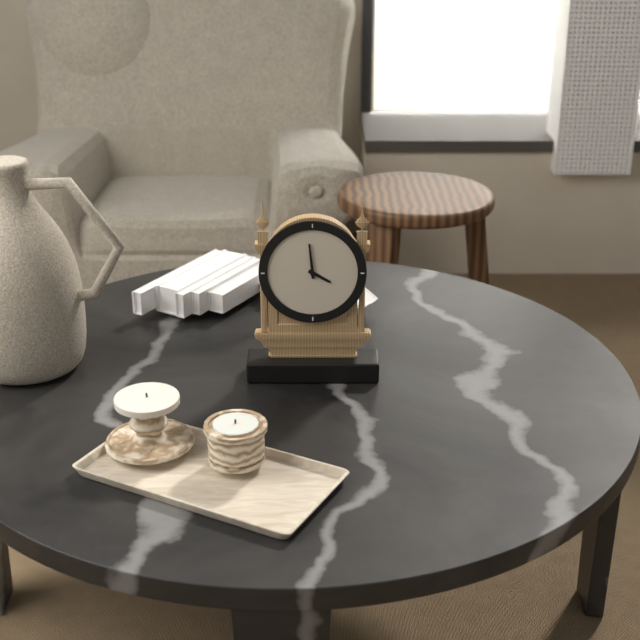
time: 3:59
